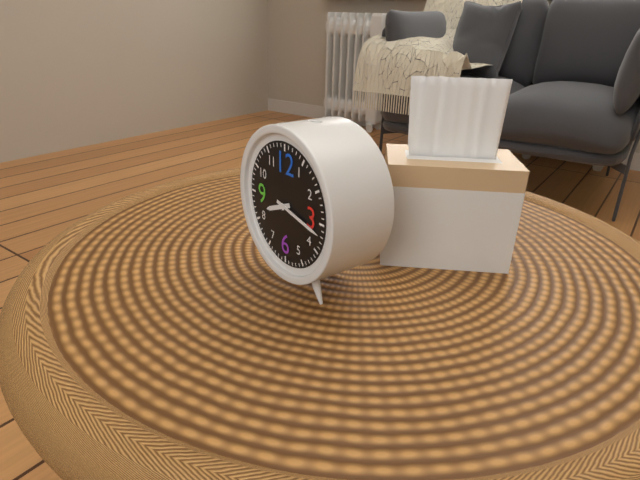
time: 8:17
